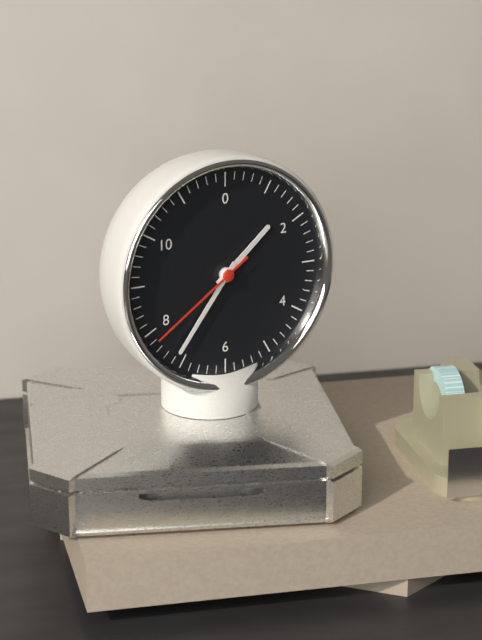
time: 1:36:39
